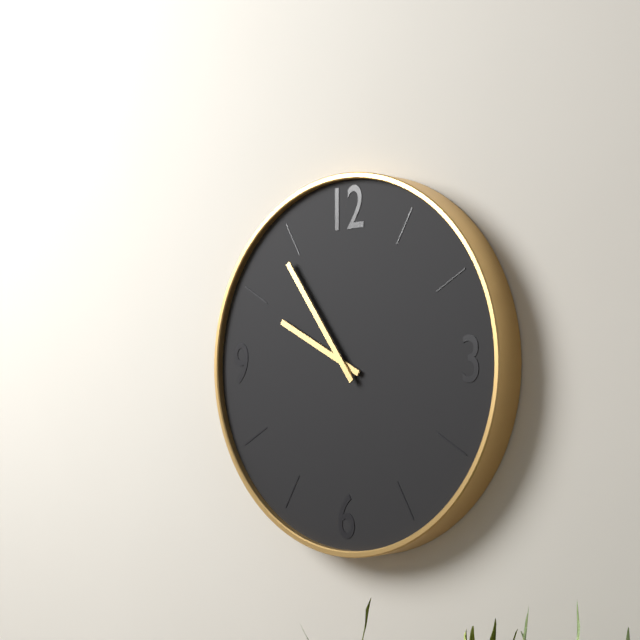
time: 9:54
